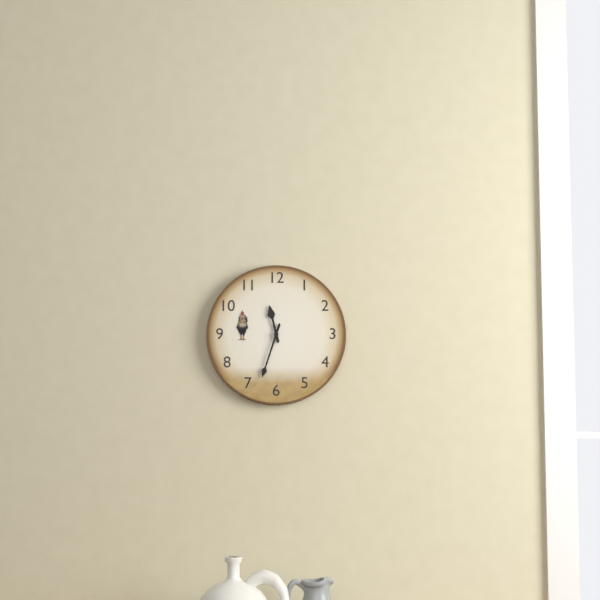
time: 11:33
